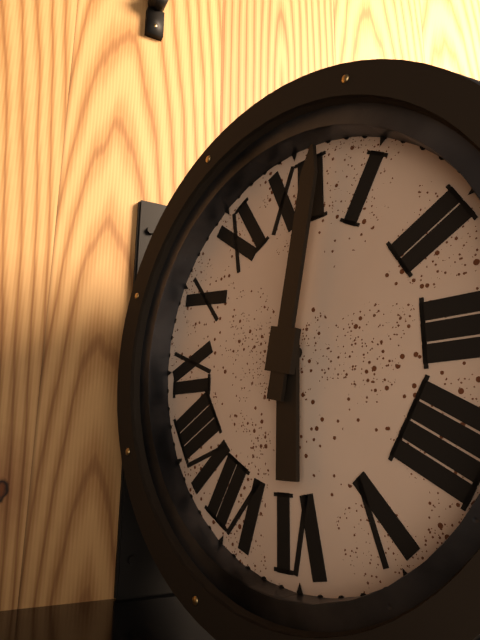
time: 6:02
